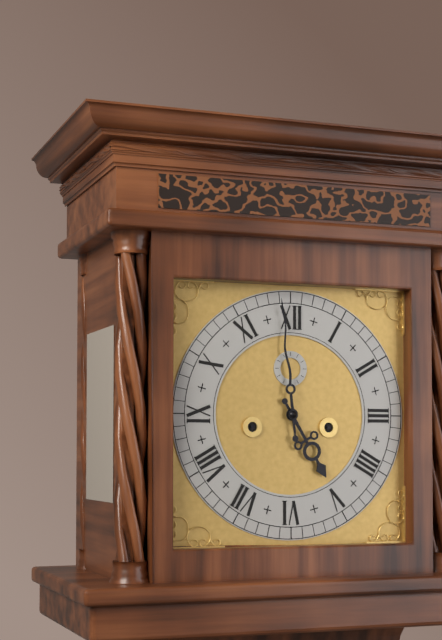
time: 4:59
